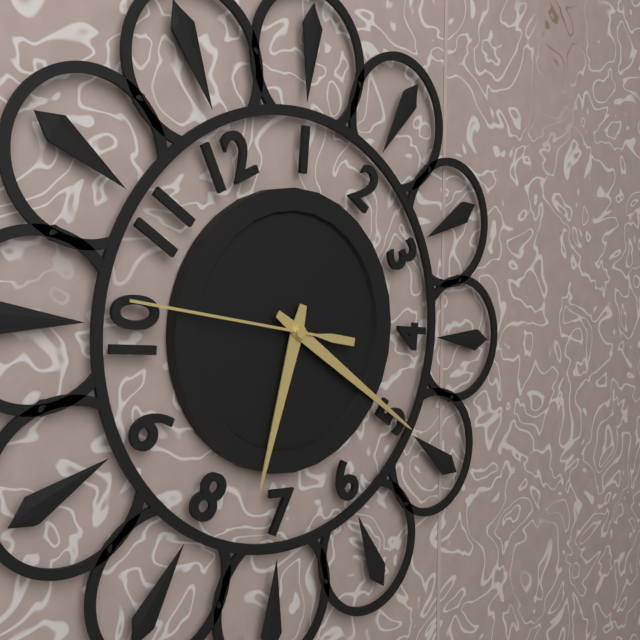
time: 7:25:51
